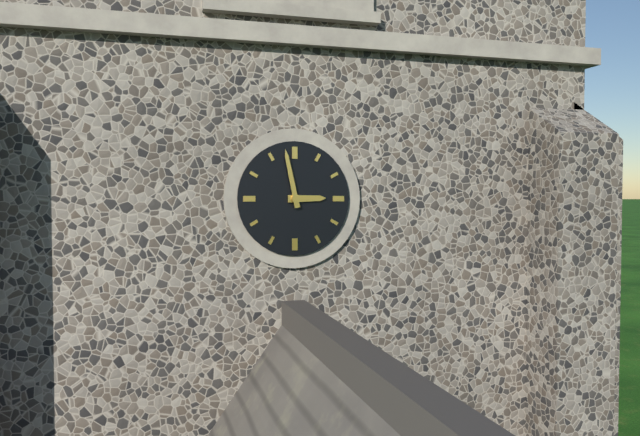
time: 2:58
